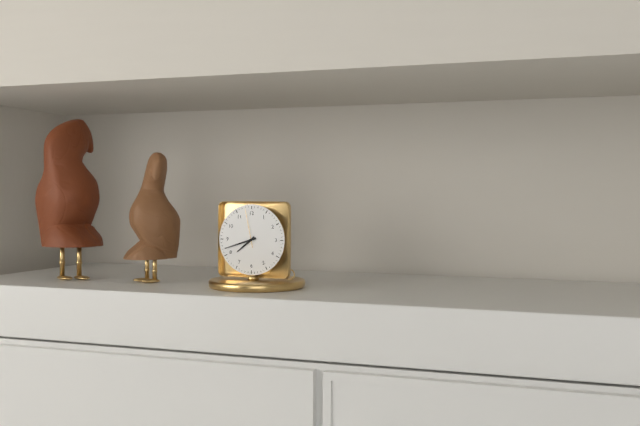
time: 7:42
